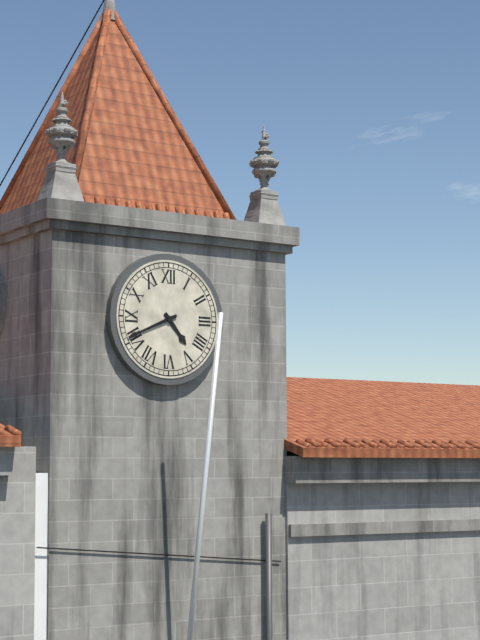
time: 4:41
